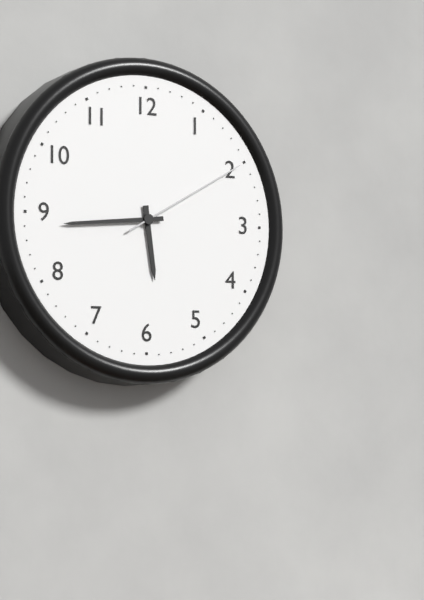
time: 5:44:10
